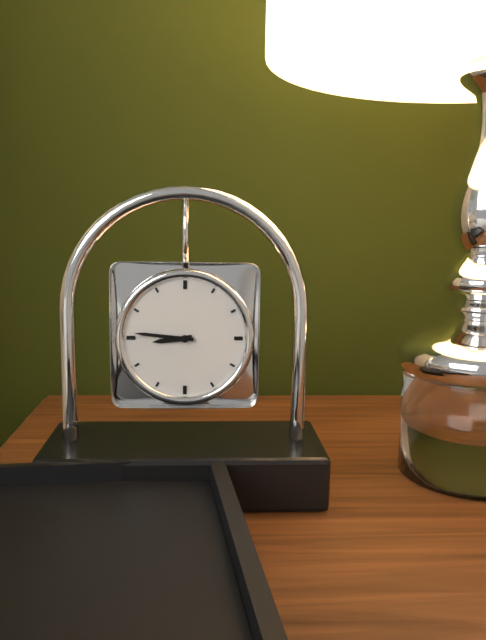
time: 8:46
